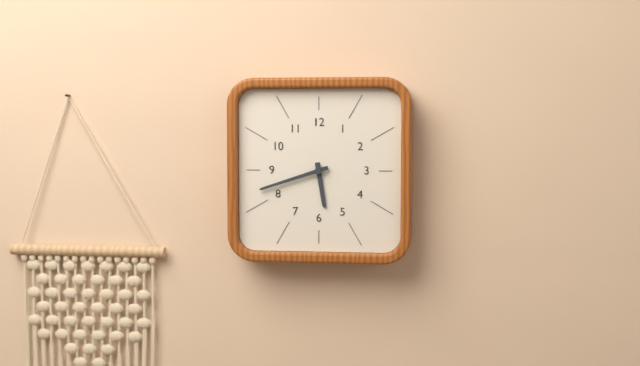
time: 5:42
